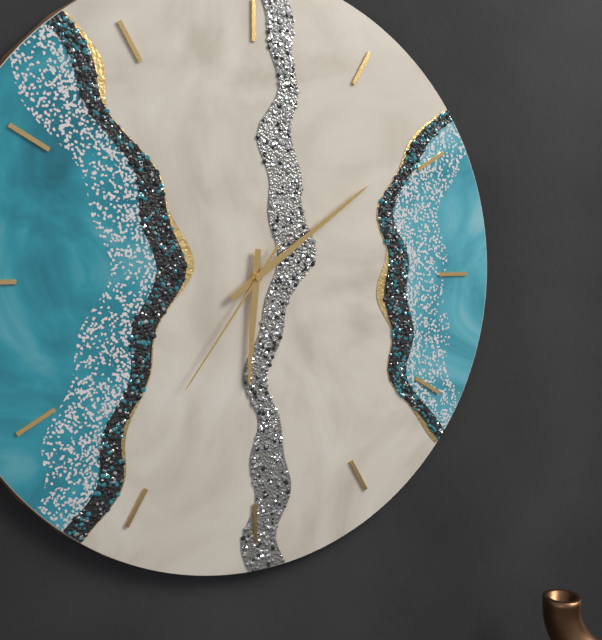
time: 6:09:36
